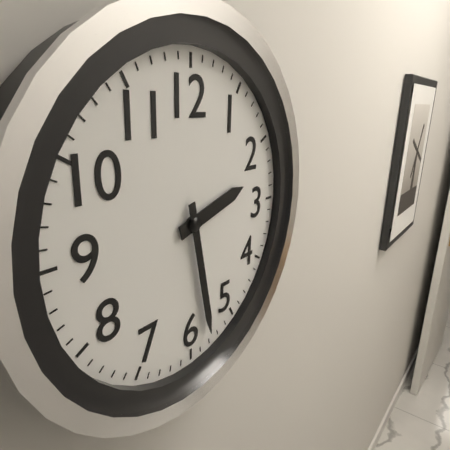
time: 2:28
